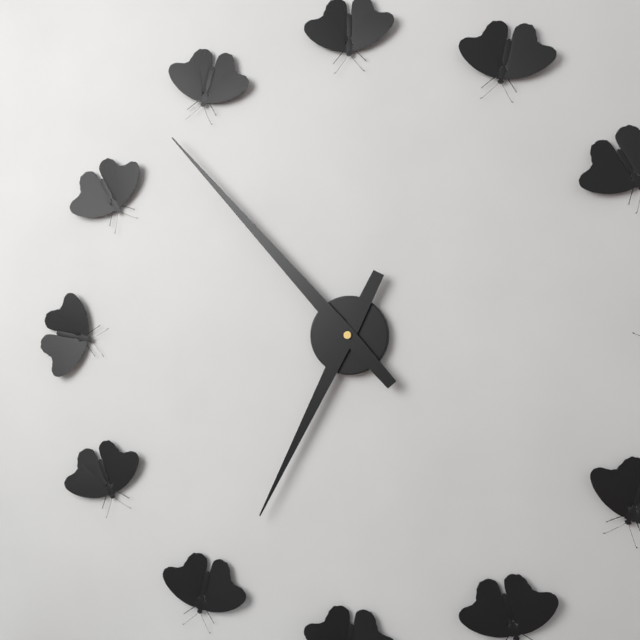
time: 6:53
